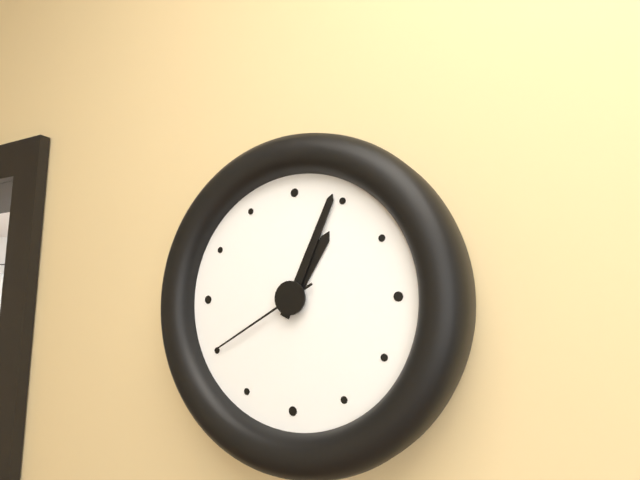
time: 1:04:40
